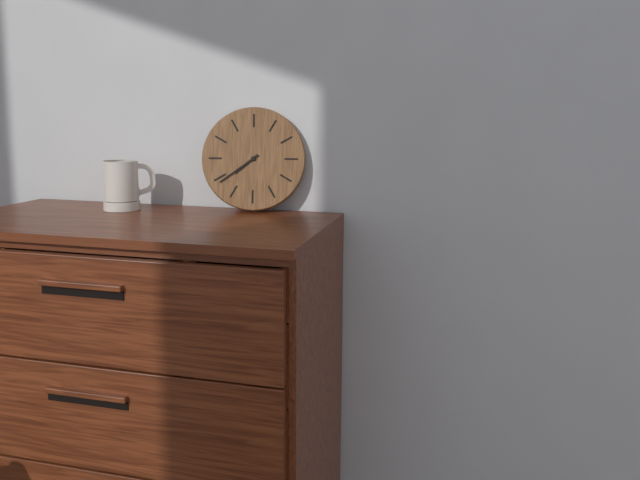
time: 7:39
